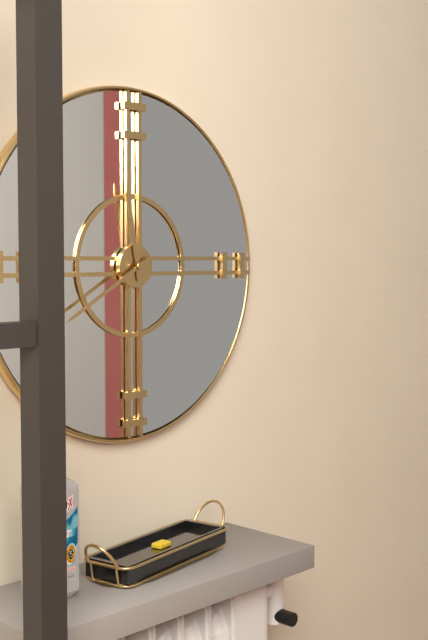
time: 11:40
